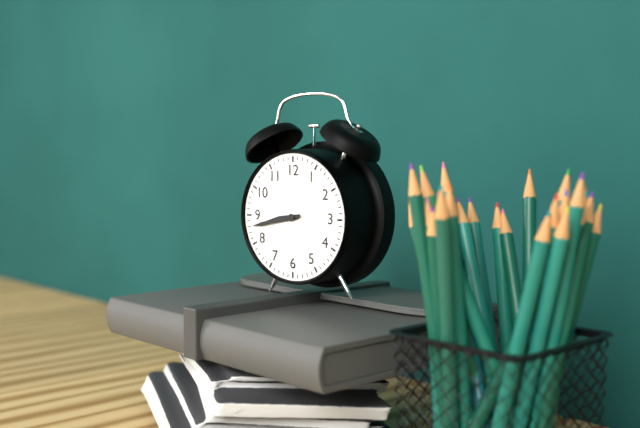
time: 8:43
